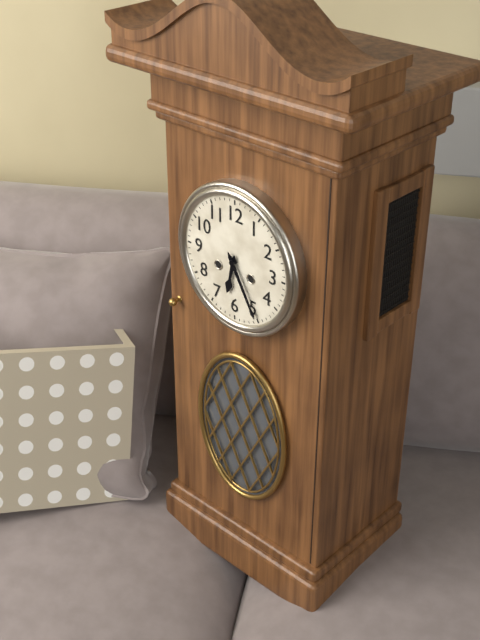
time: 6:25
